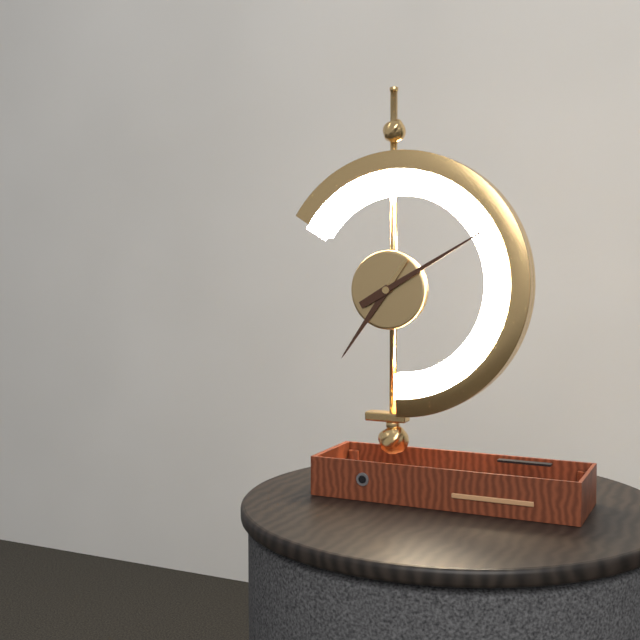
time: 7:10
